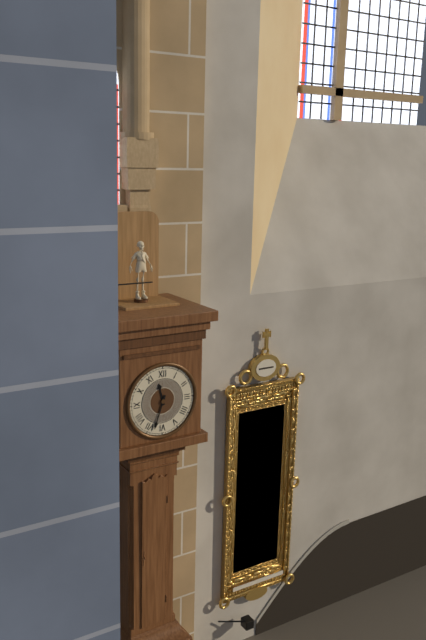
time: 11:33
